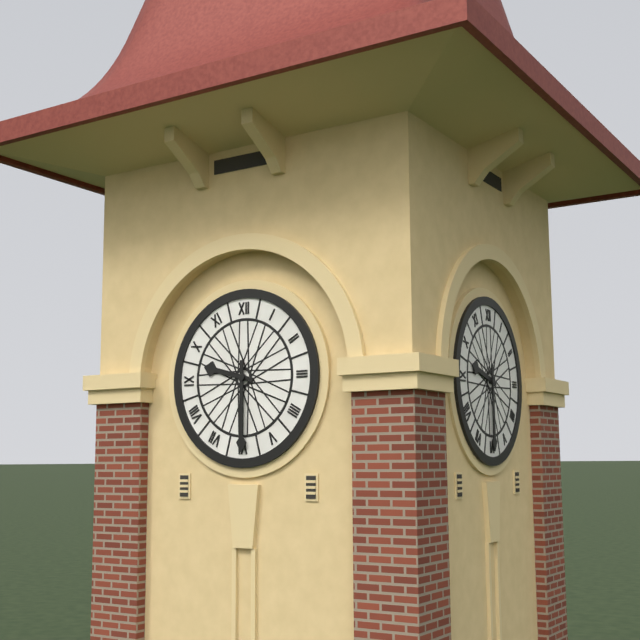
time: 9:30
